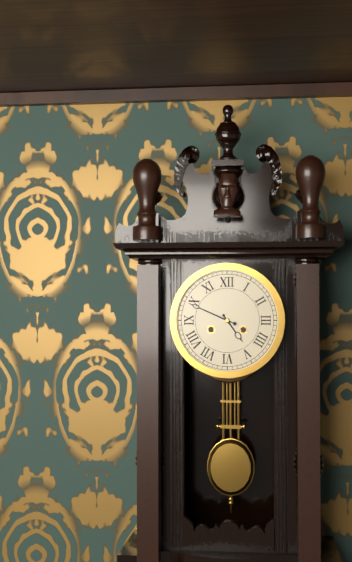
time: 4:49
